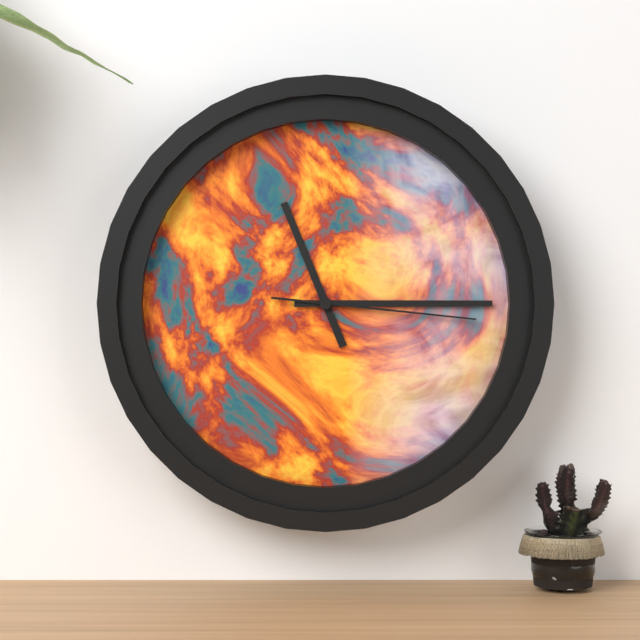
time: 11:15:16
